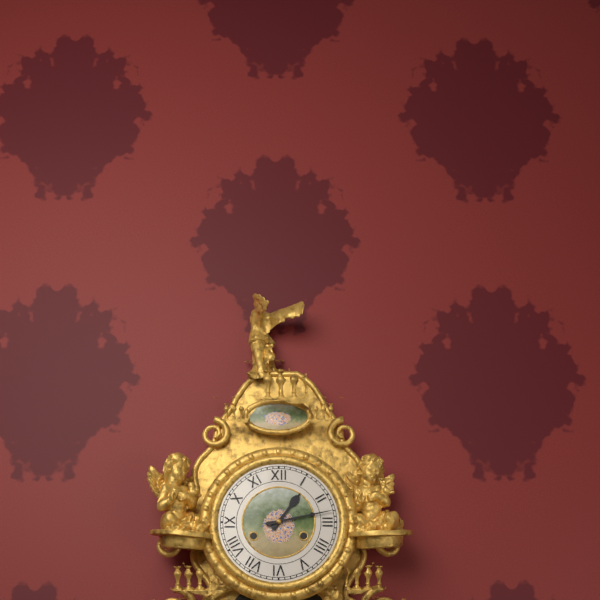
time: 1:13
